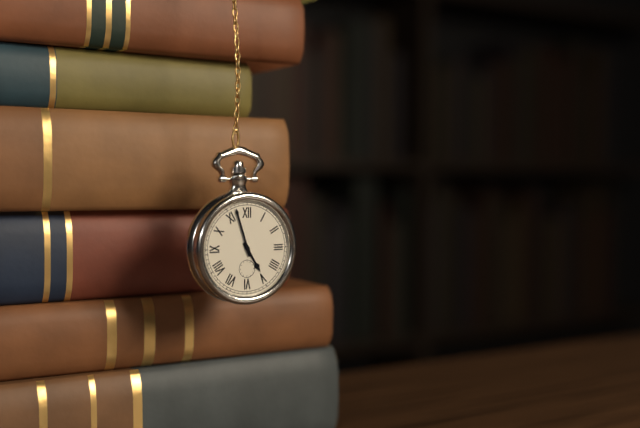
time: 4:57
